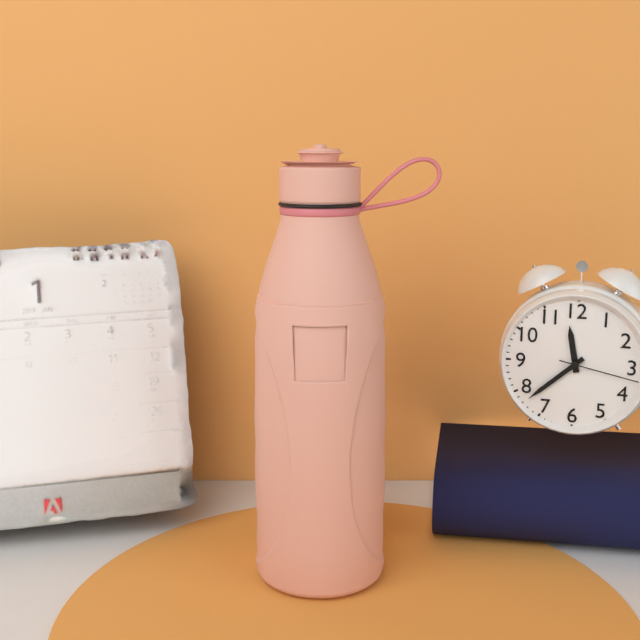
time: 11:38:17
